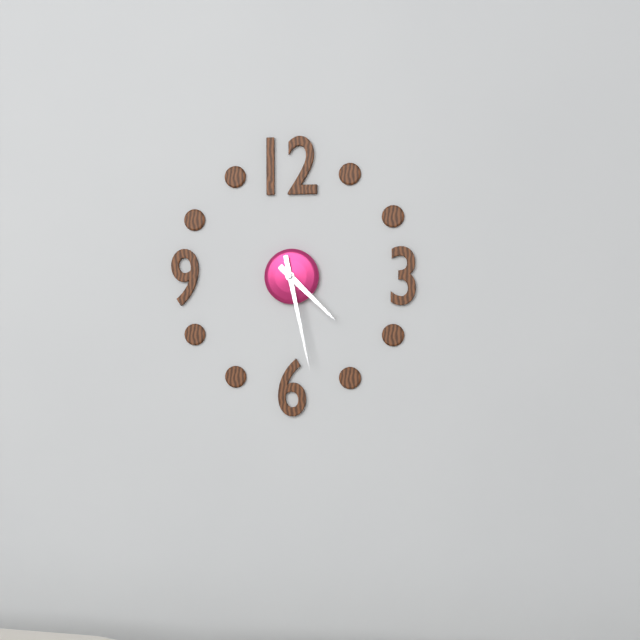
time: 4:28
